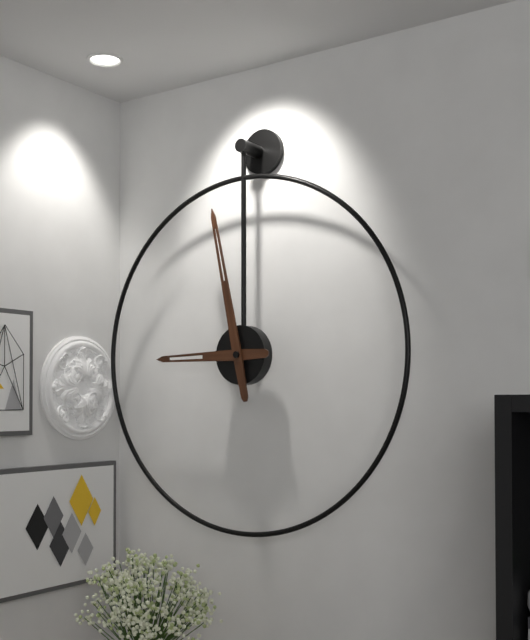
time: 8:58
